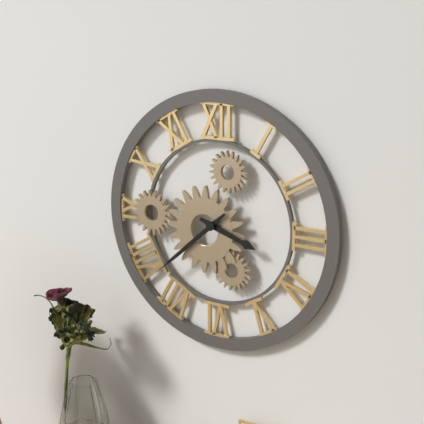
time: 3:38
